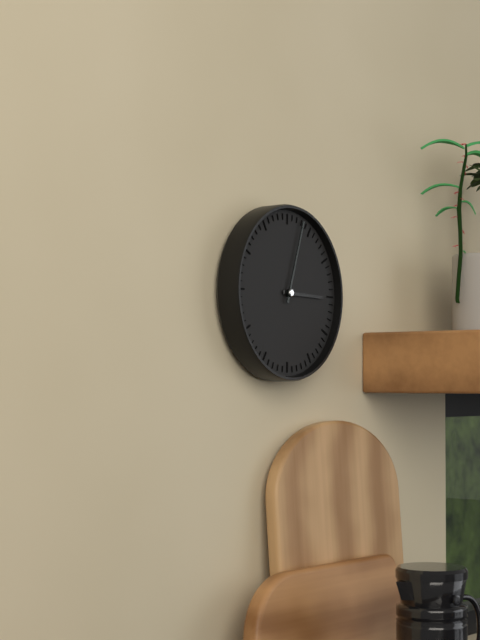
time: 3:03
